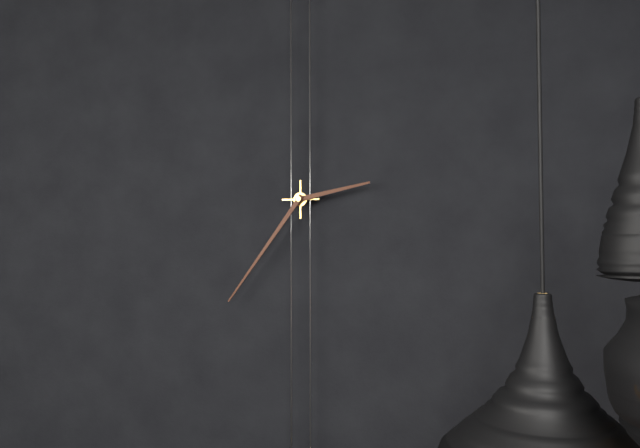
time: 2:36
